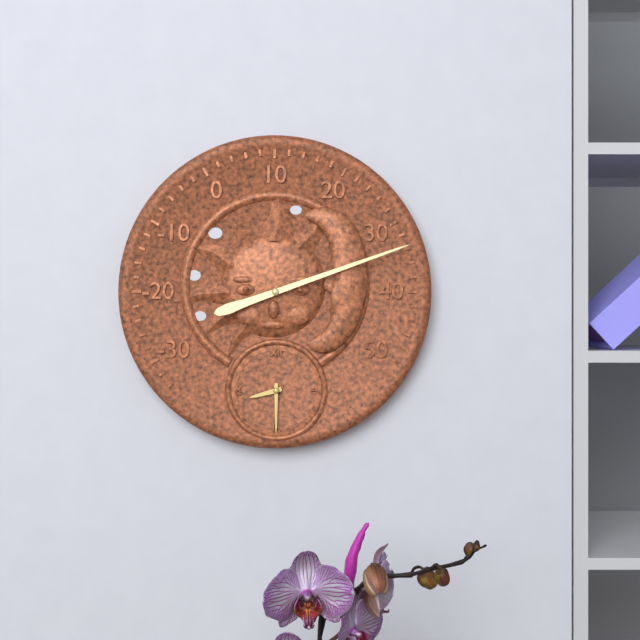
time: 8:30
